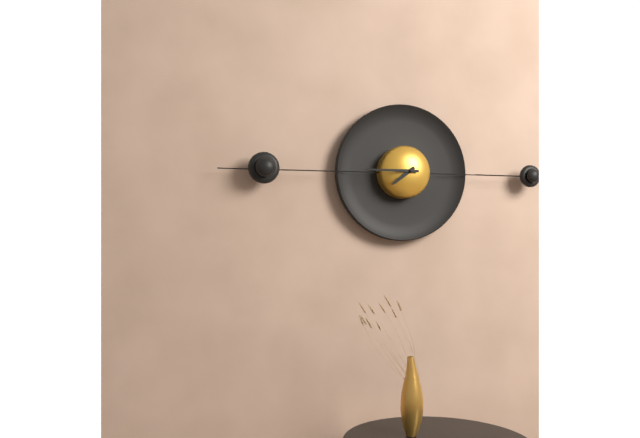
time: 7:45
